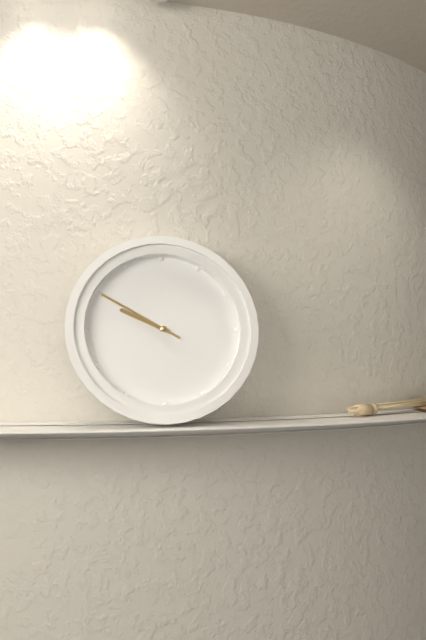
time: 9:50
